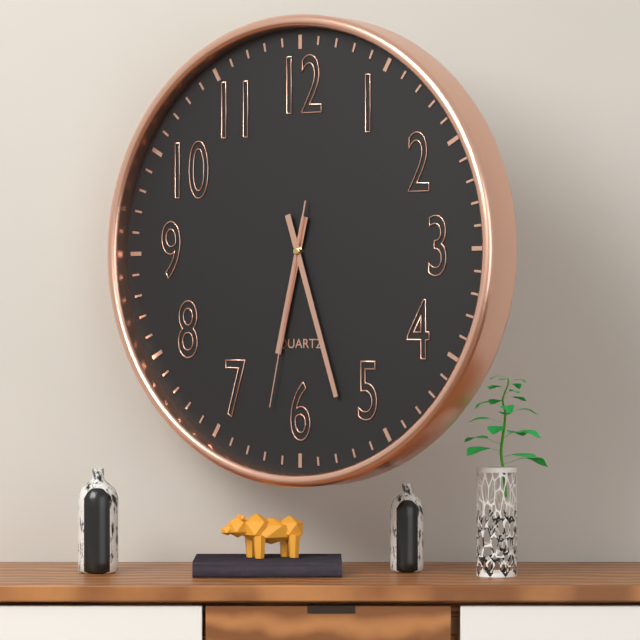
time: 6:27:32
